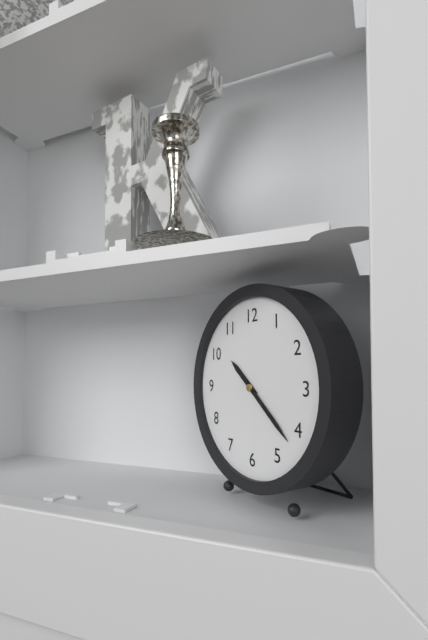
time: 10:22
